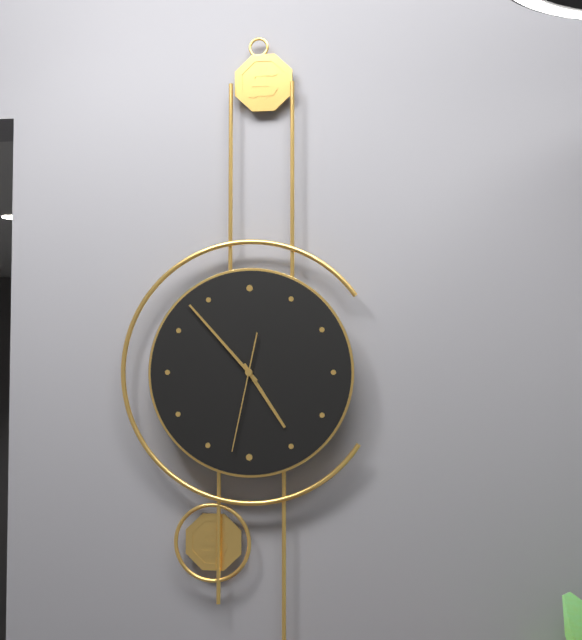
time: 4:53:32
